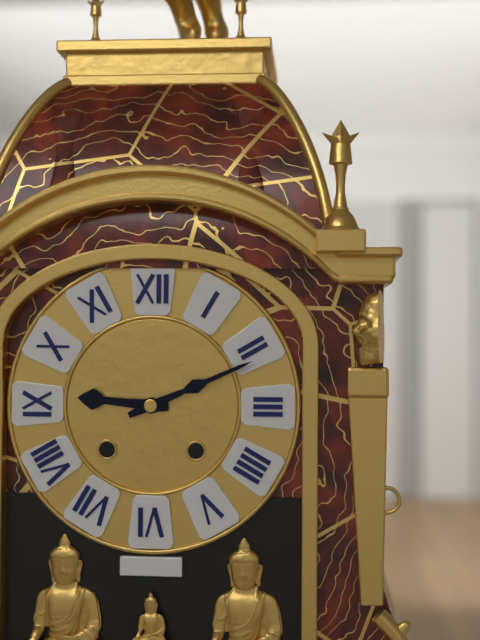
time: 9:11
